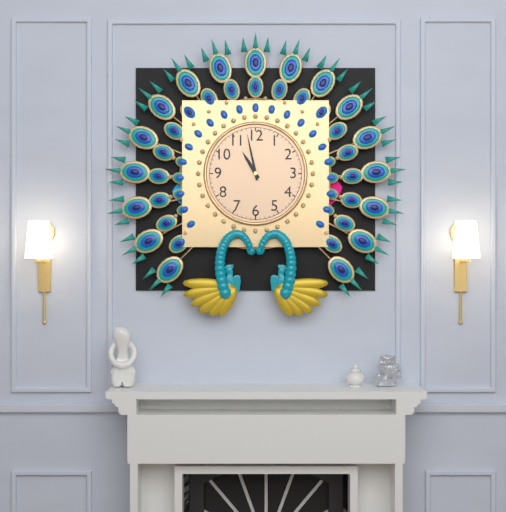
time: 10:58
